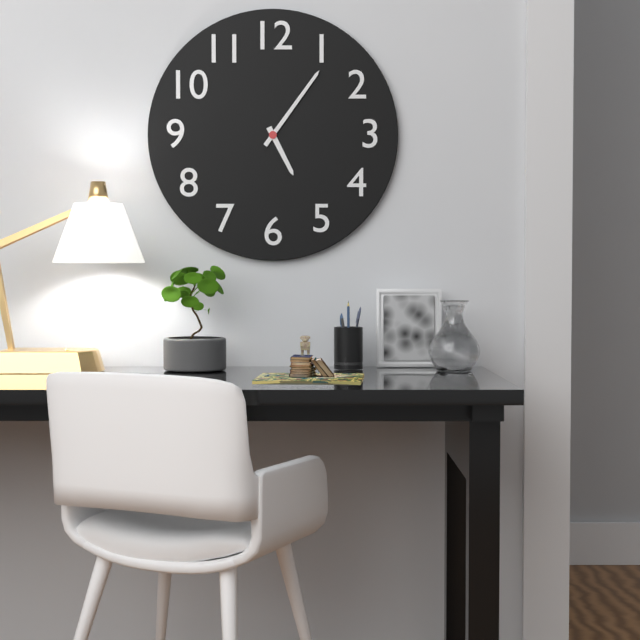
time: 5:06
